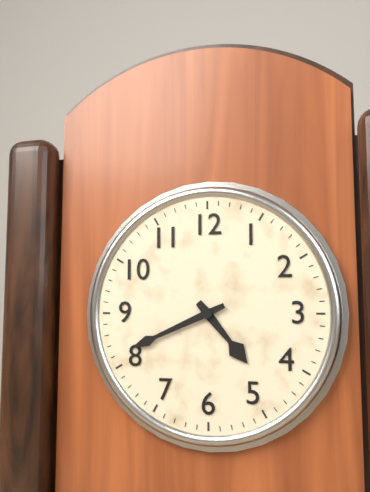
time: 4:41
